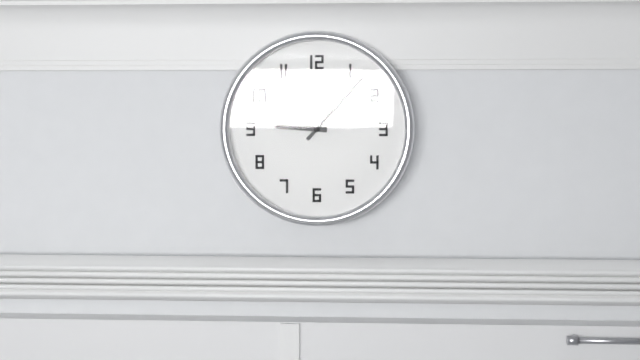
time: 9:07
